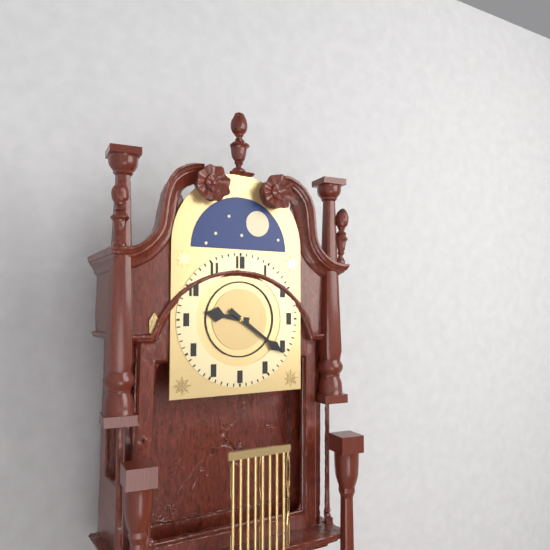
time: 9:21
